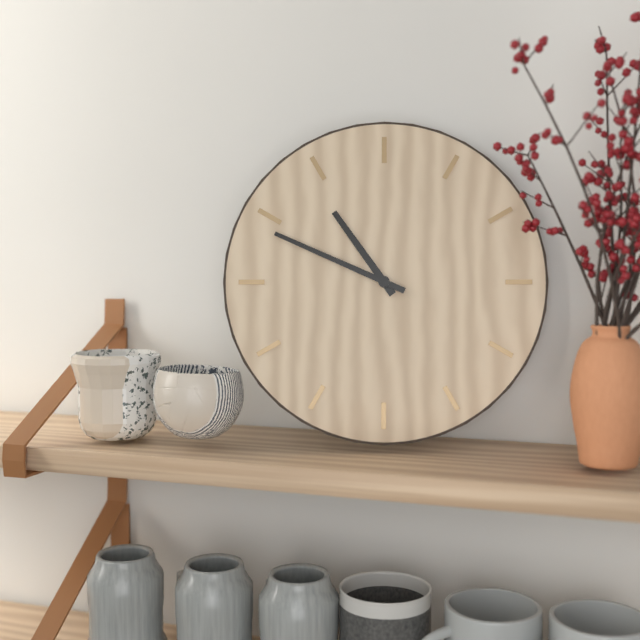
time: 10:49
